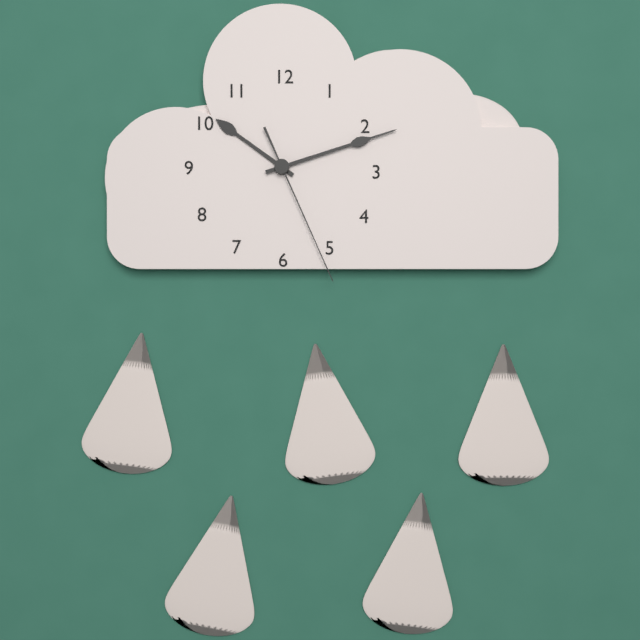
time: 10:12:26
